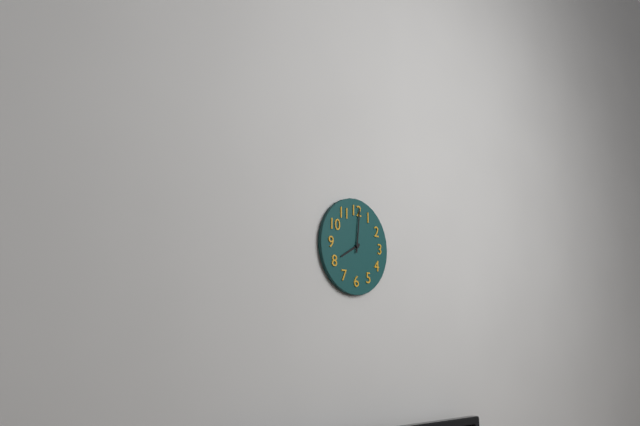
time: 8:01
